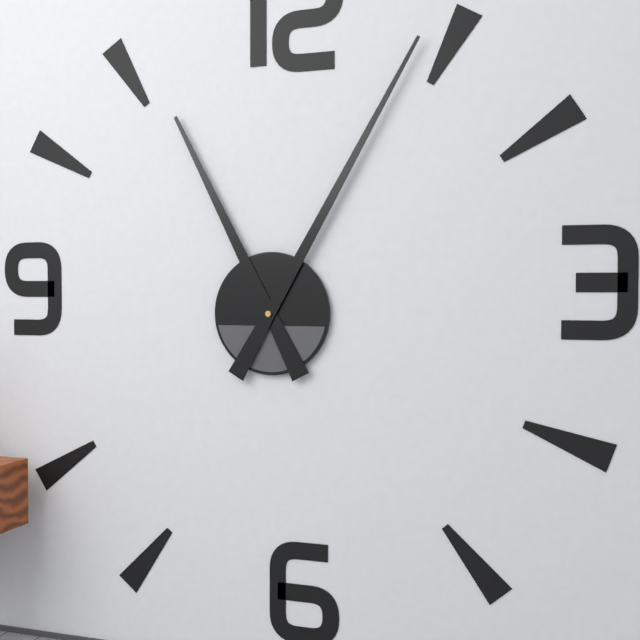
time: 11:05
